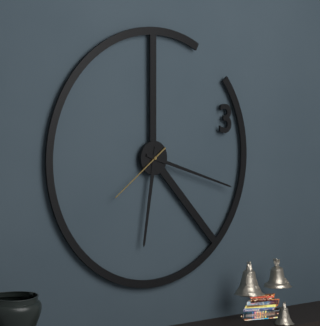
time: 6:18:39
